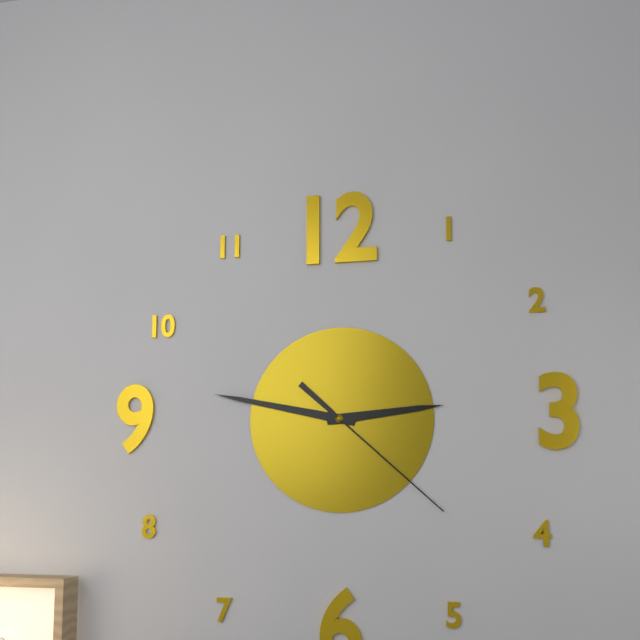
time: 2:47:22
